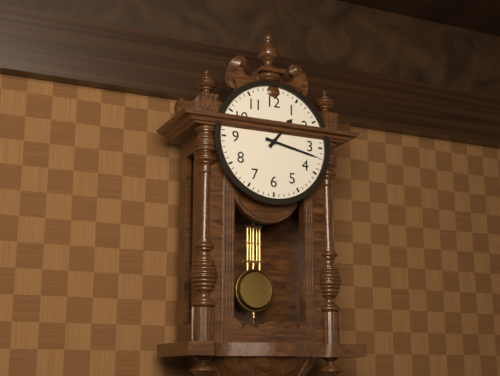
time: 1:17
